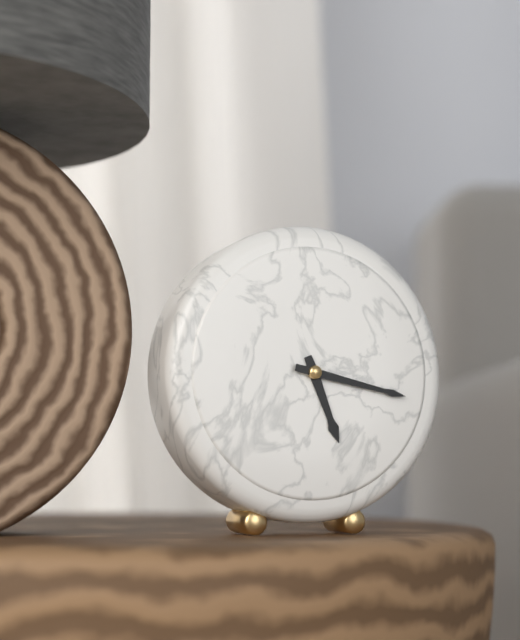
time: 5:17
